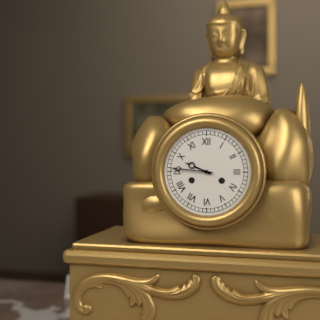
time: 9:46
